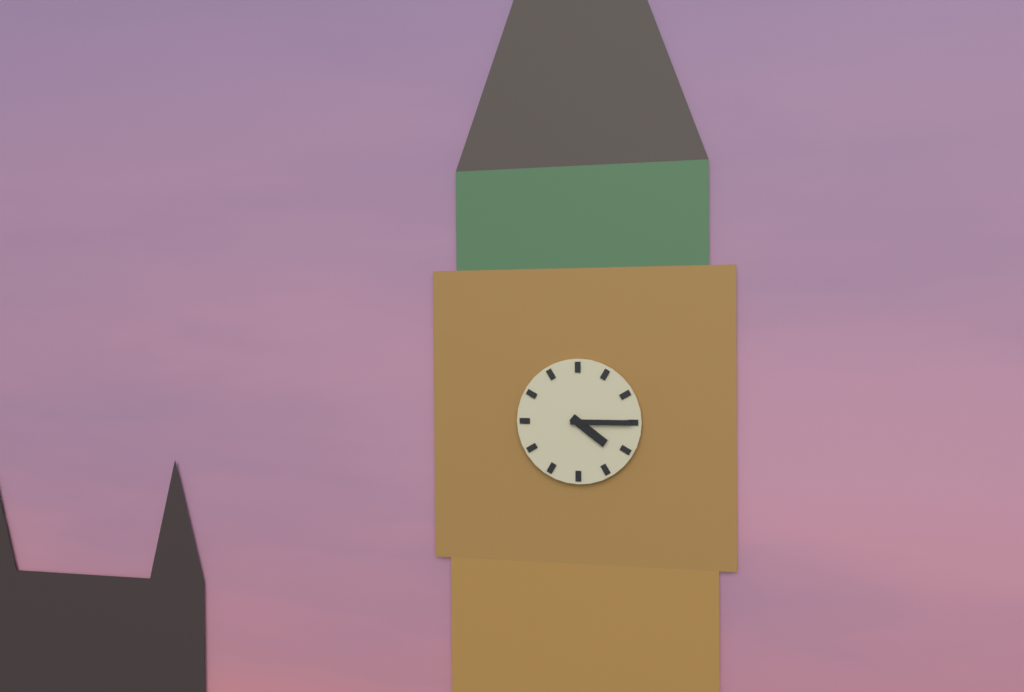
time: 4:15
